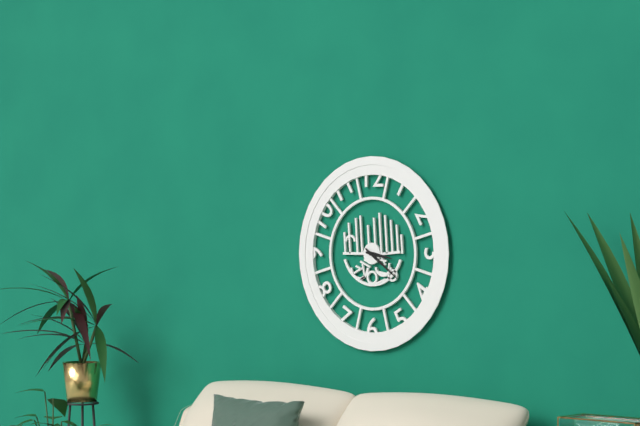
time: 3:21
